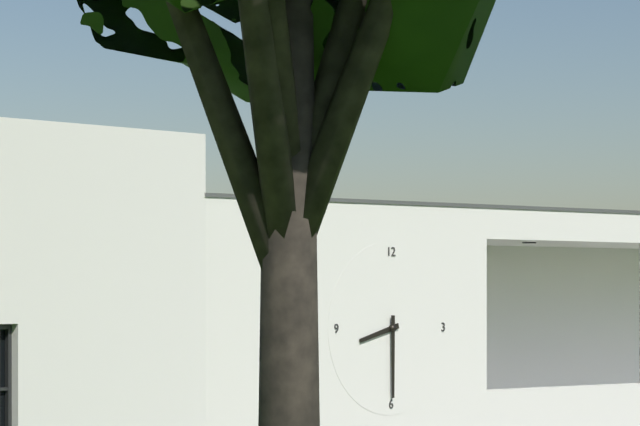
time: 8:30
